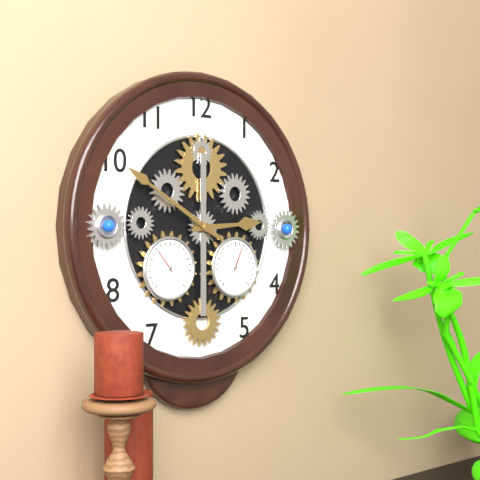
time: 2:50
